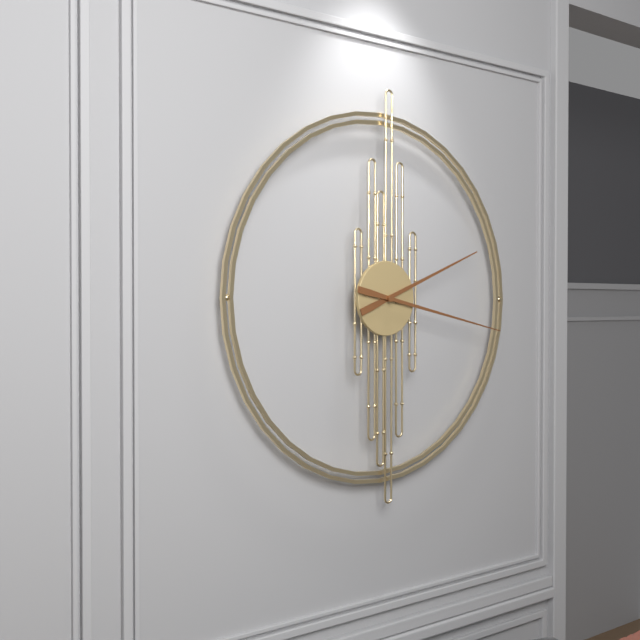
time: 2:17
